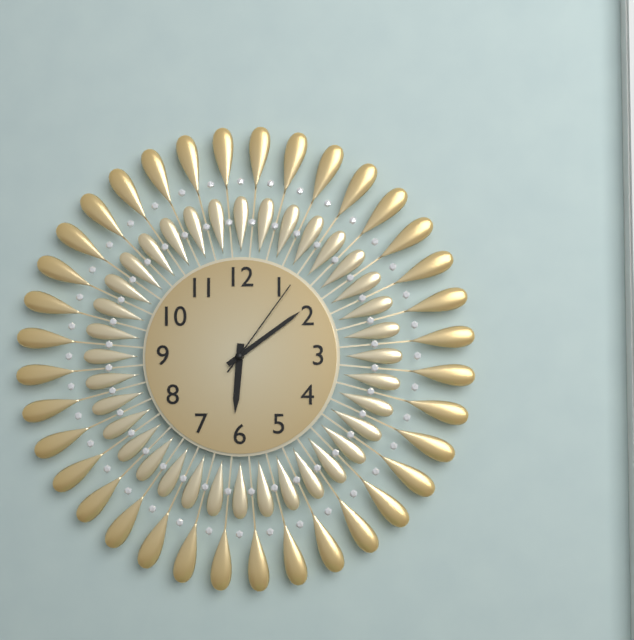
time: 6:09:06
